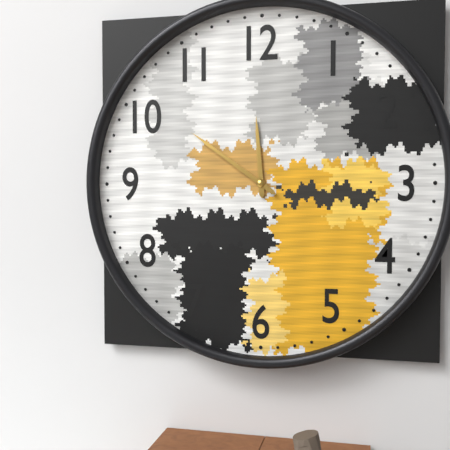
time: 11:51
